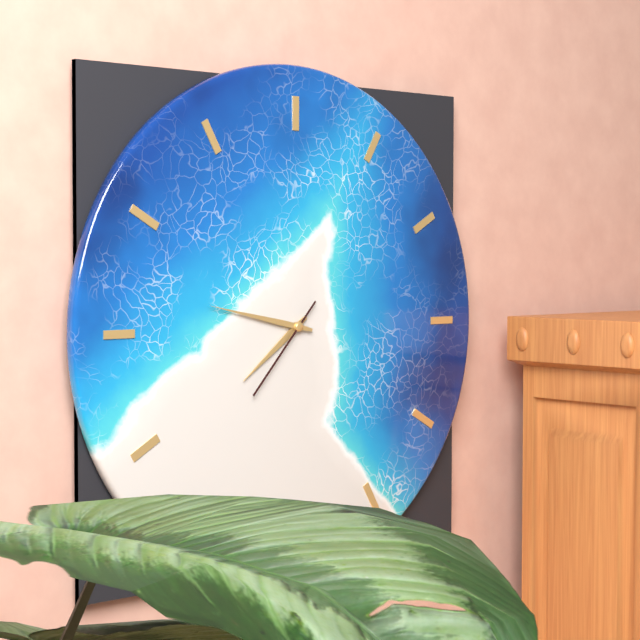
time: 7:47:37
